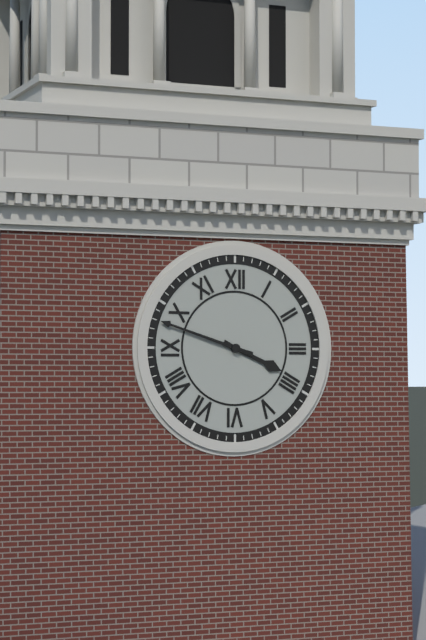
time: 3:48
